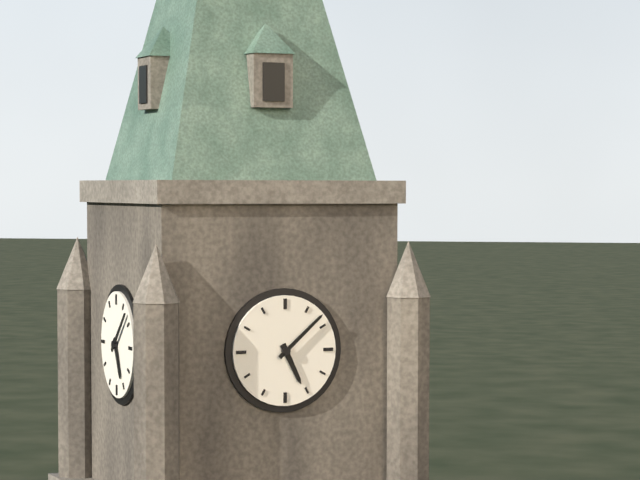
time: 5:08
